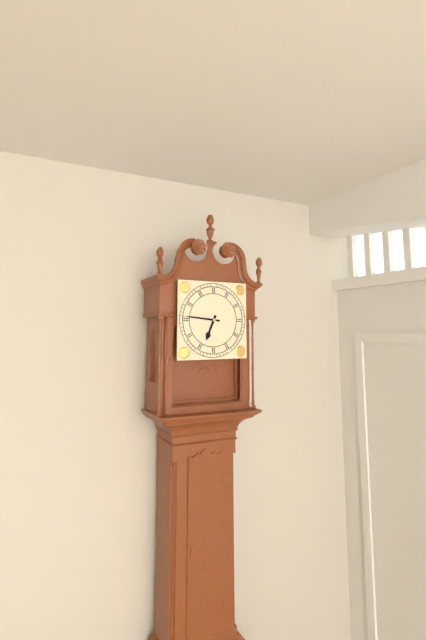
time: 6:46
